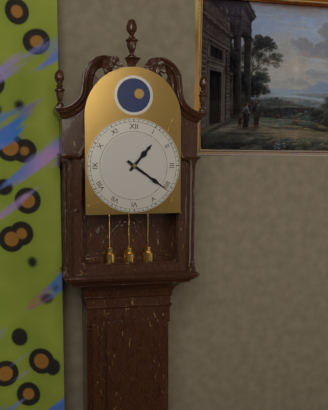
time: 1:21
